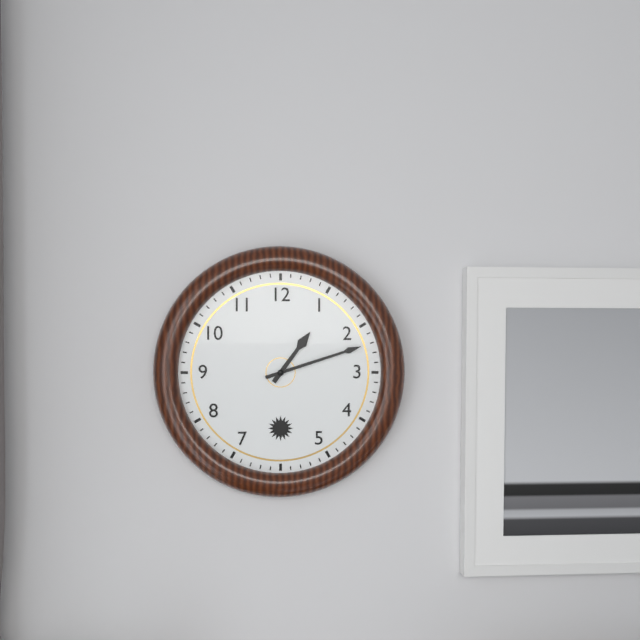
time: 1:12
